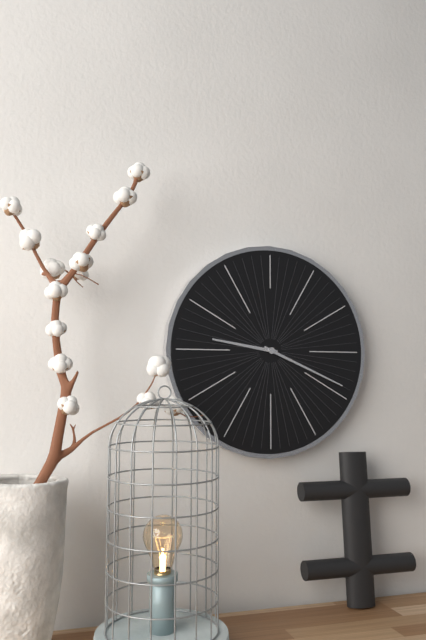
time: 9:19
